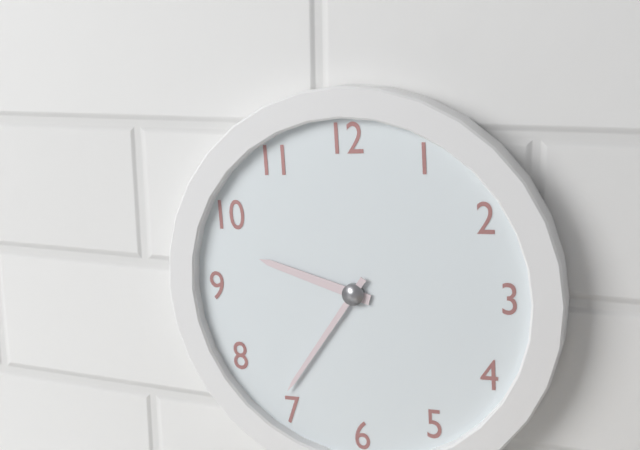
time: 9:36
